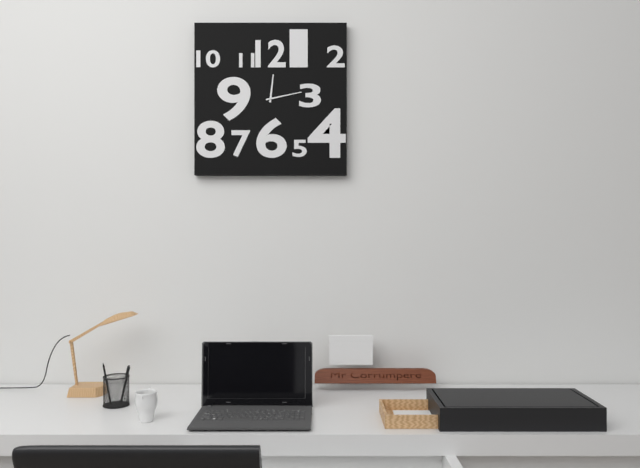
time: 12:13
